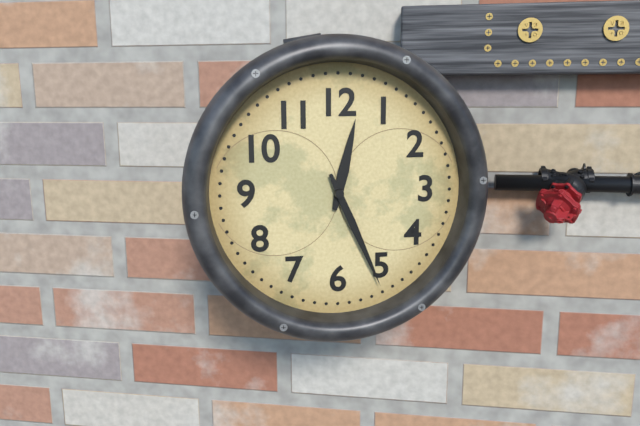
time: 12:26
